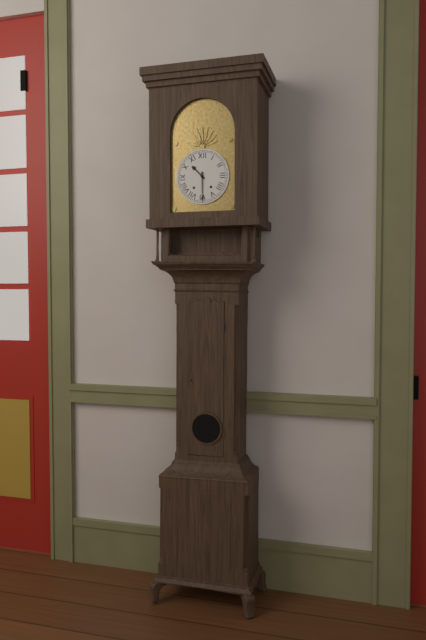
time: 10:30
